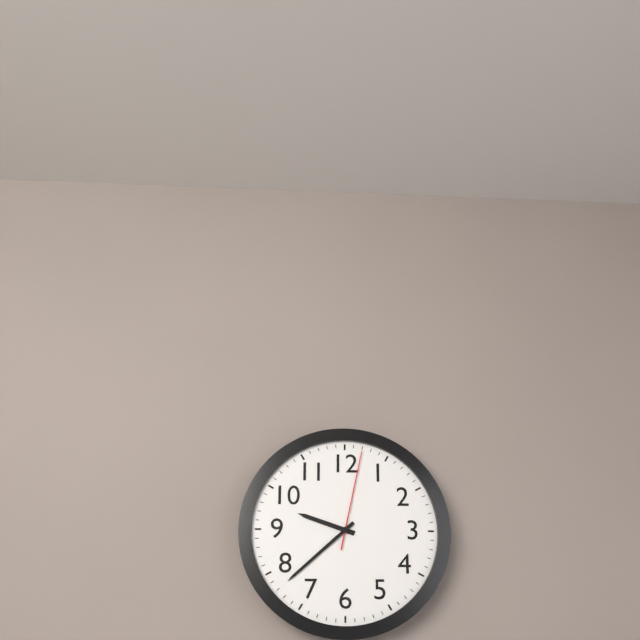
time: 9:38:02
